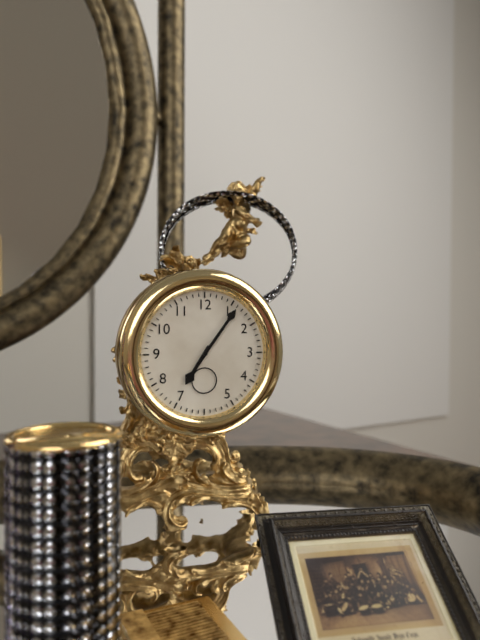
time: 7:06
